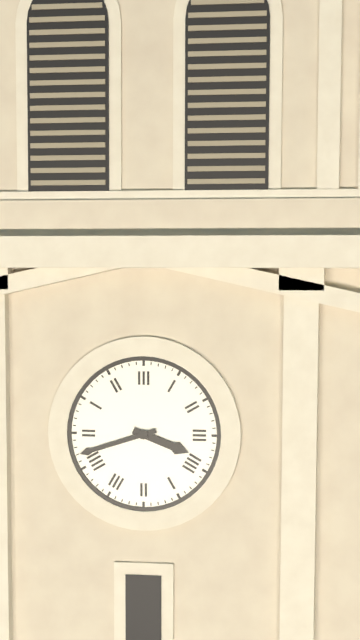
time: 3:42
